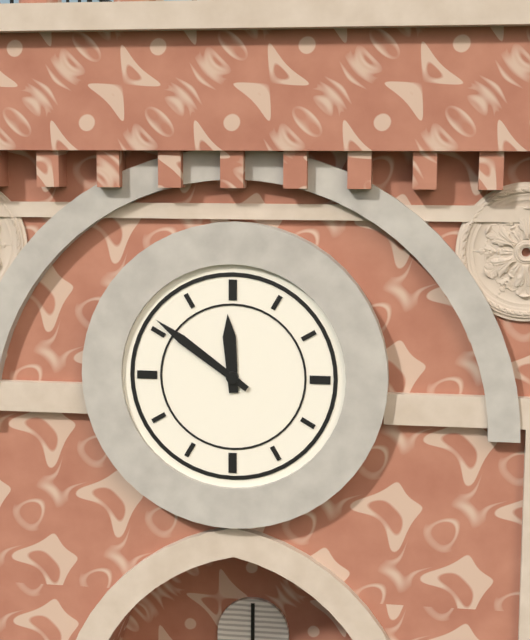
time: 11:51
